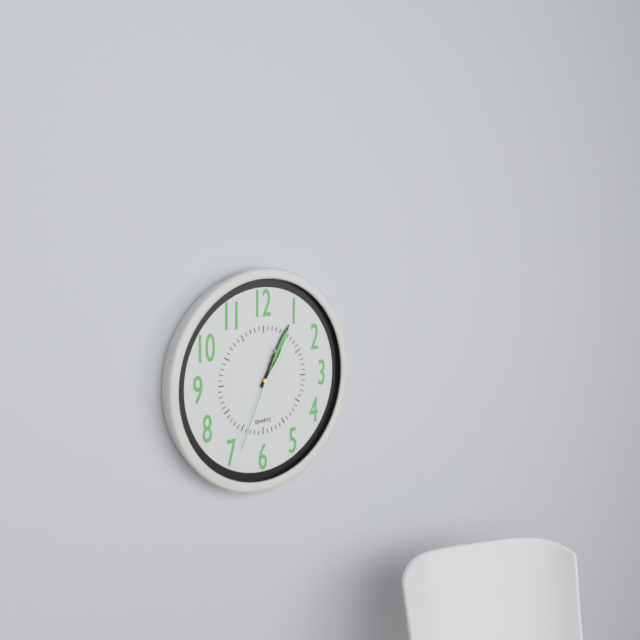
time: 1:05:34
